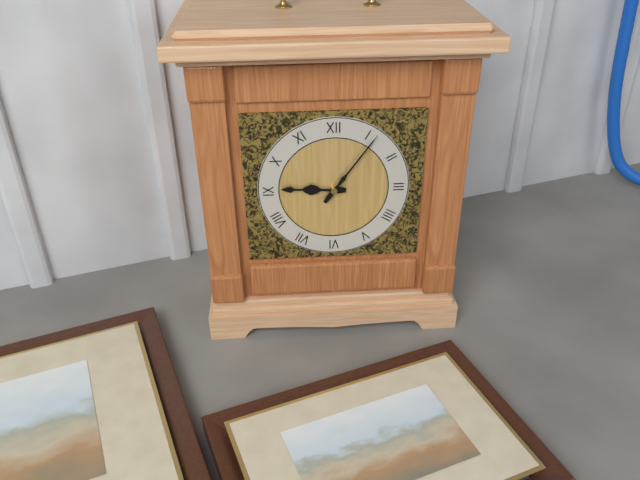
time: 9:06
